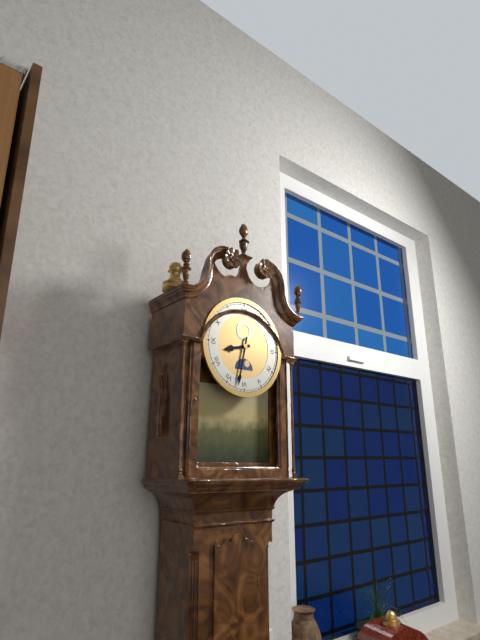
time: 8:32
